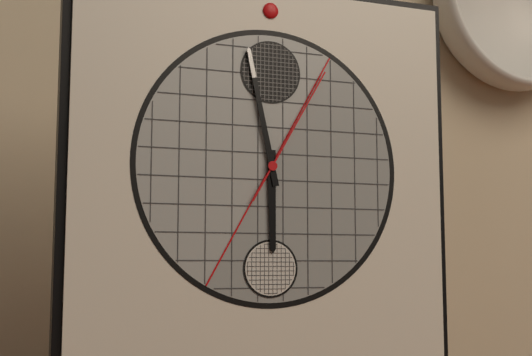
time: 5:58:05
